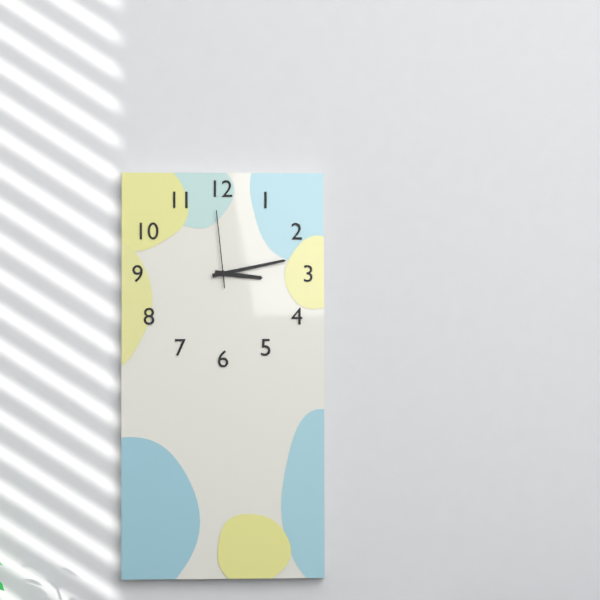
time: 3:13:59
